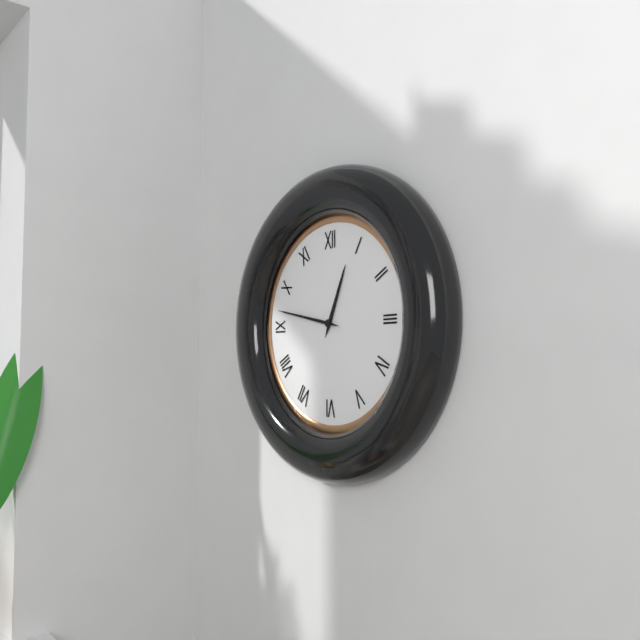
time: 12:47
